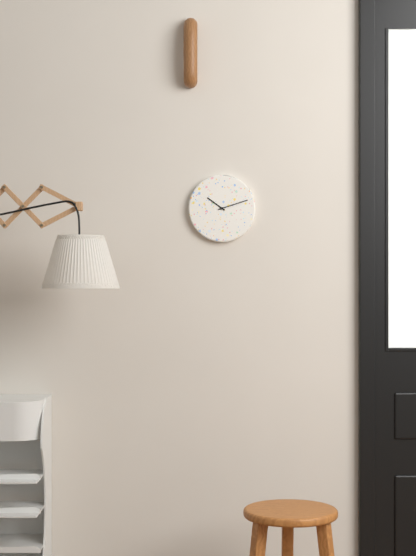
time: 10:12
